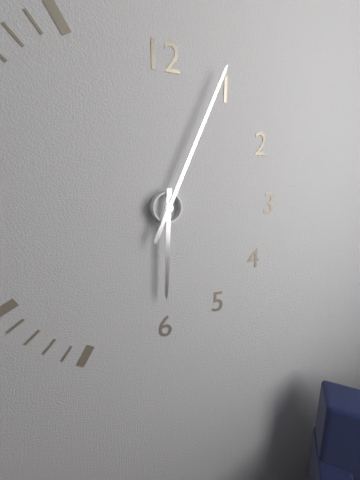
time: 6:04
